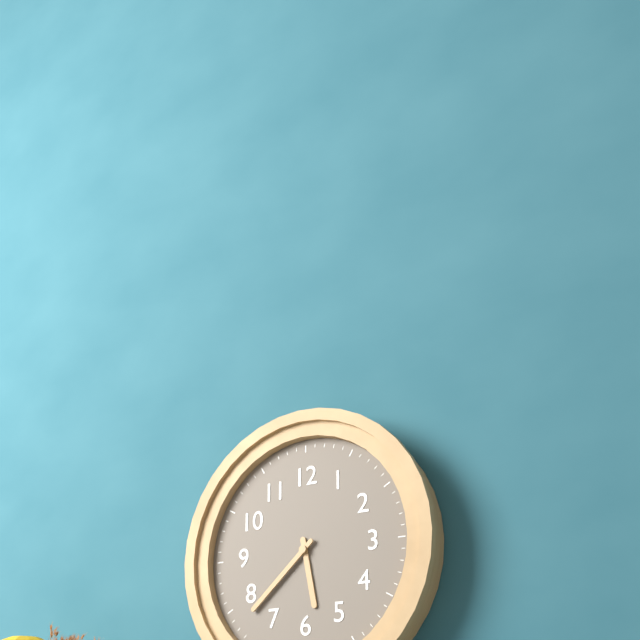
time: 5:38
